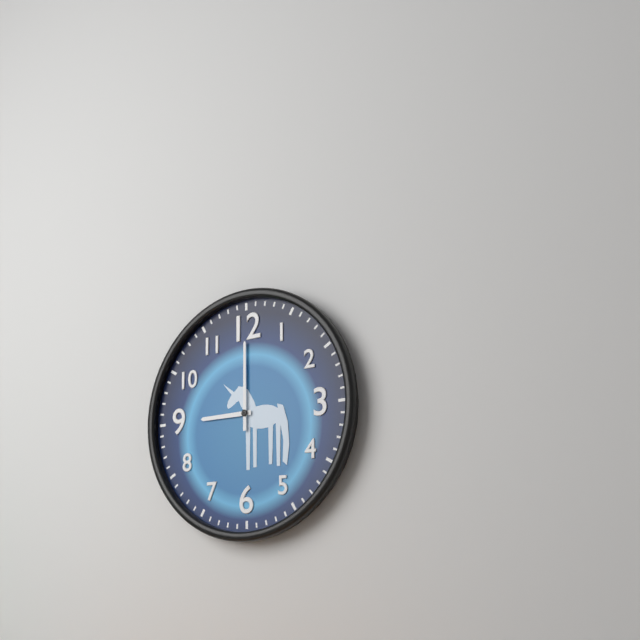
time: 9:00
